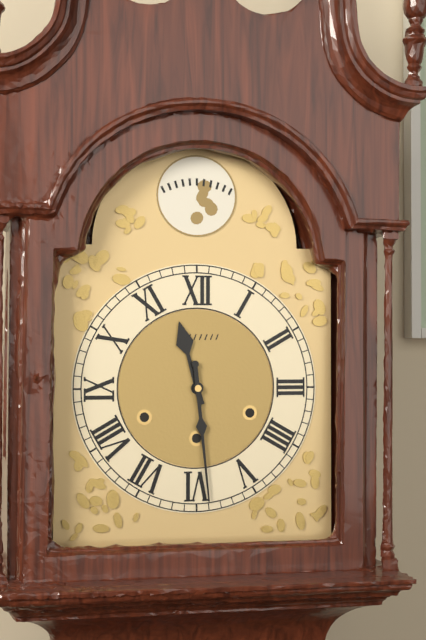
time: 11:29
